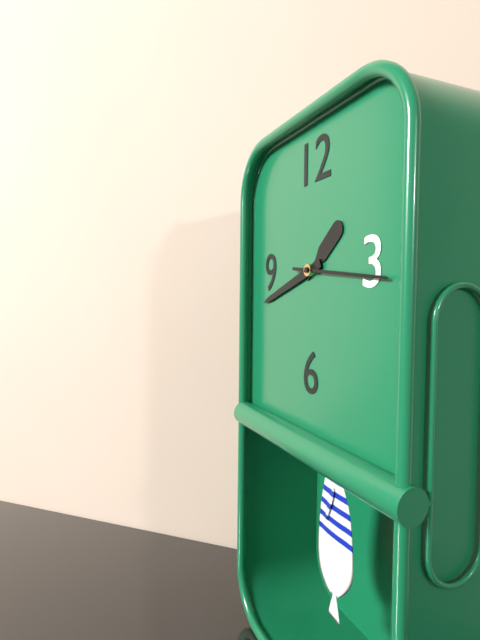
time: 1:42:16
